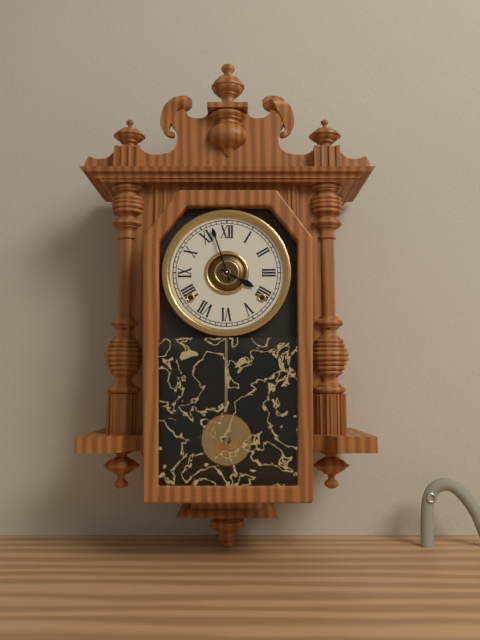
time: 3:57
